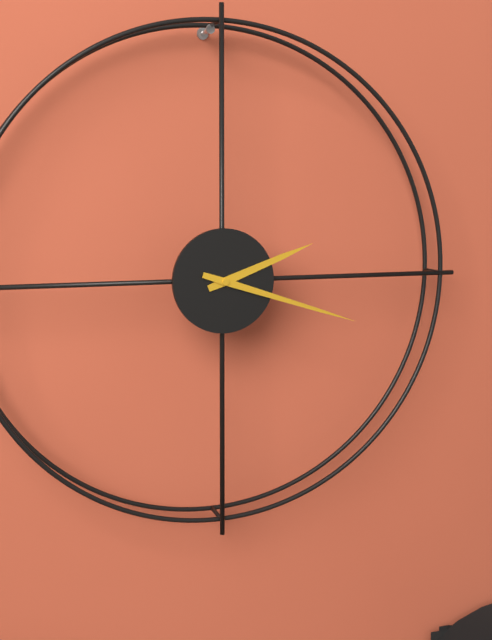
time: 2:18
